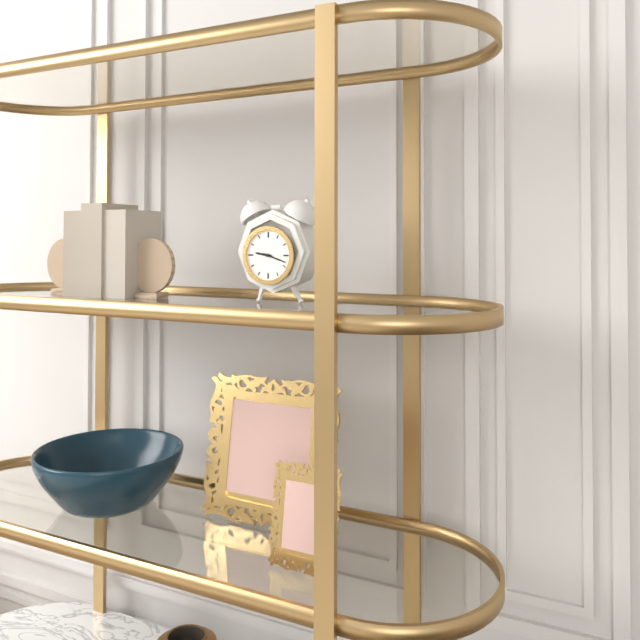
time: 9:18
